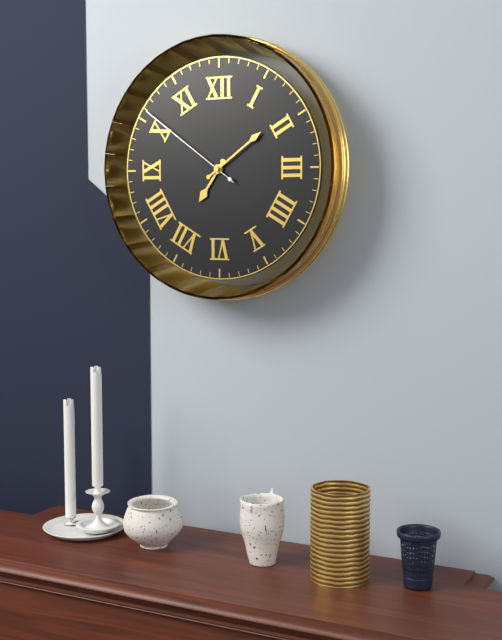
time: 7:09:51
